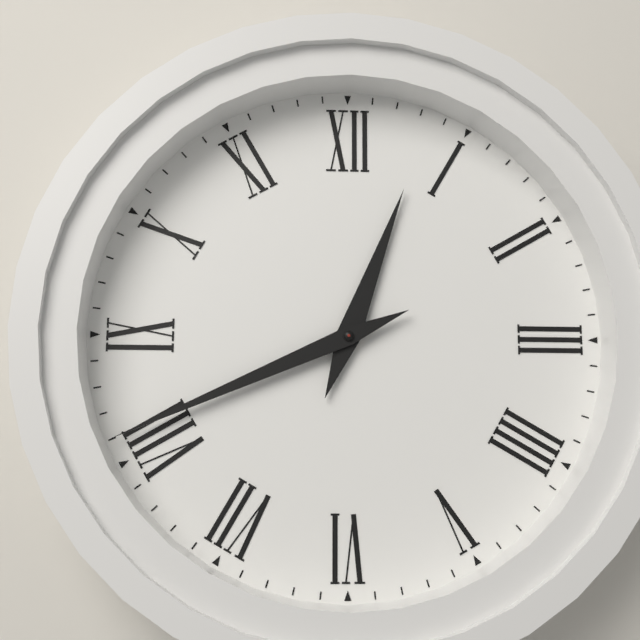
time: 12:41
